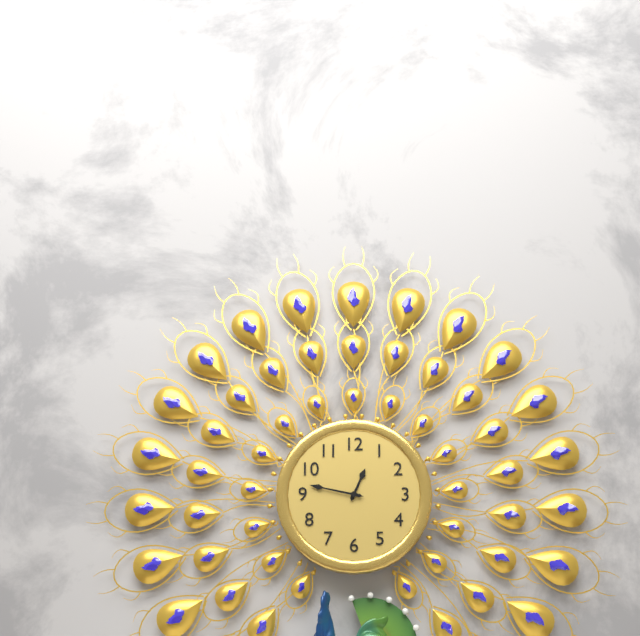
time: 12:47
